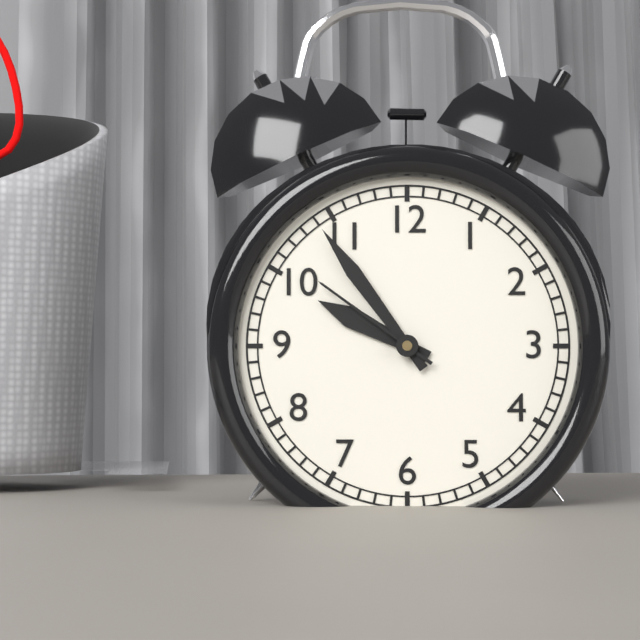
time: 9:54:51
